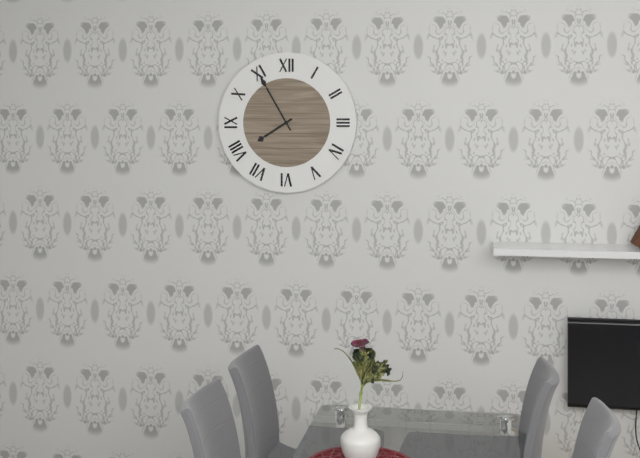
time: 7:55
